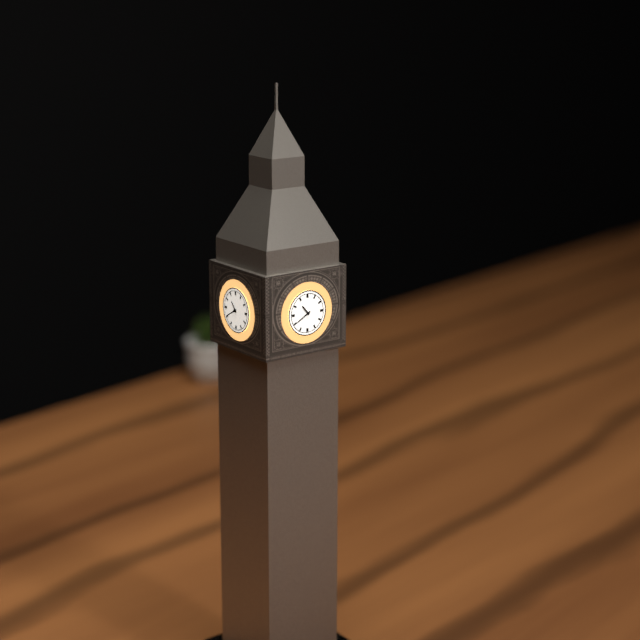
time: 10:40
